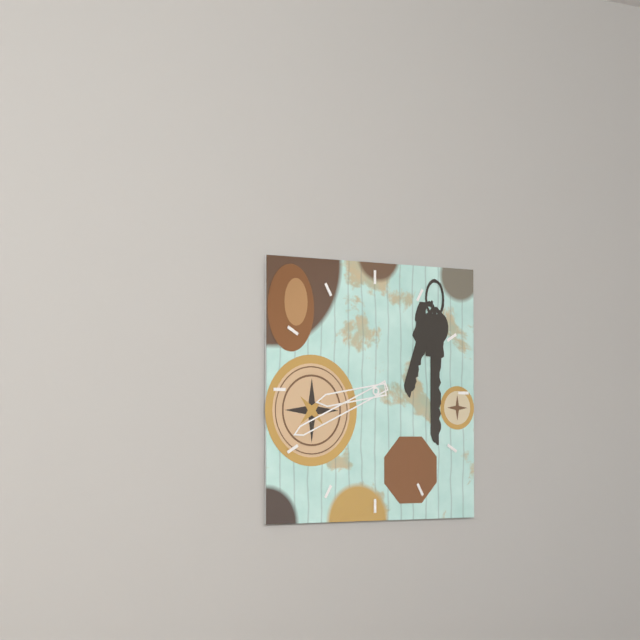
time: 8:41
